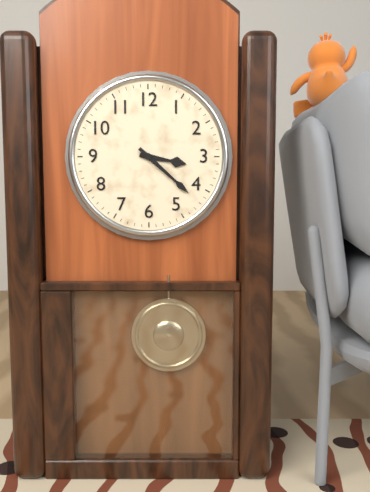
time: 3:22
